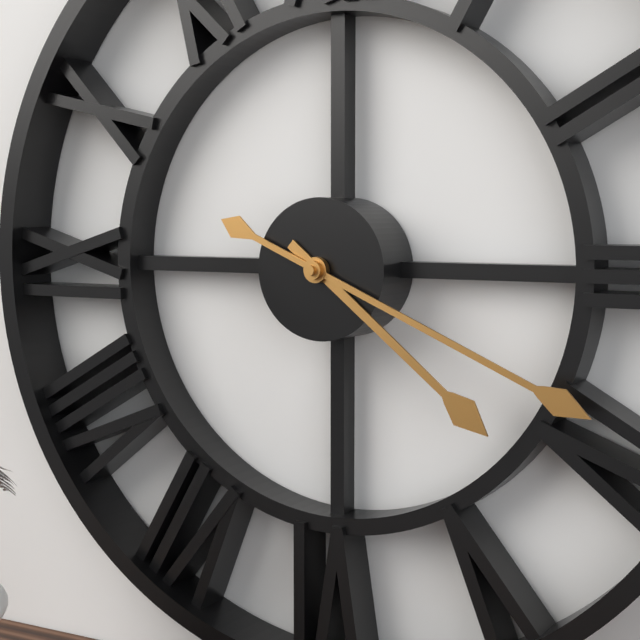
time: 4:19
